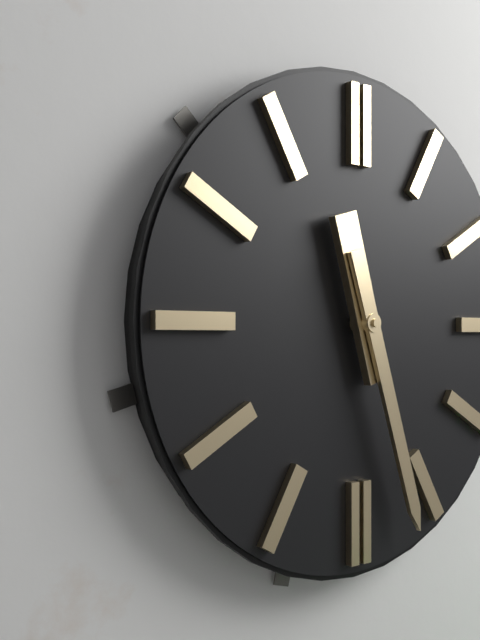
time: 11:27
